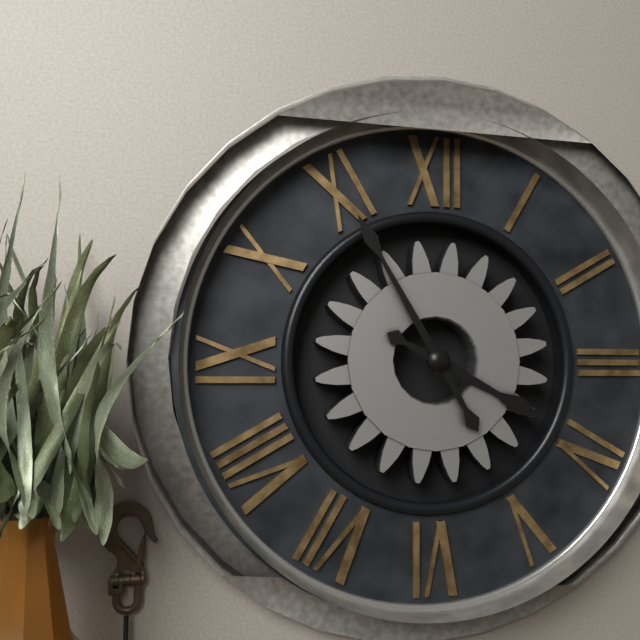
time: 3:55
